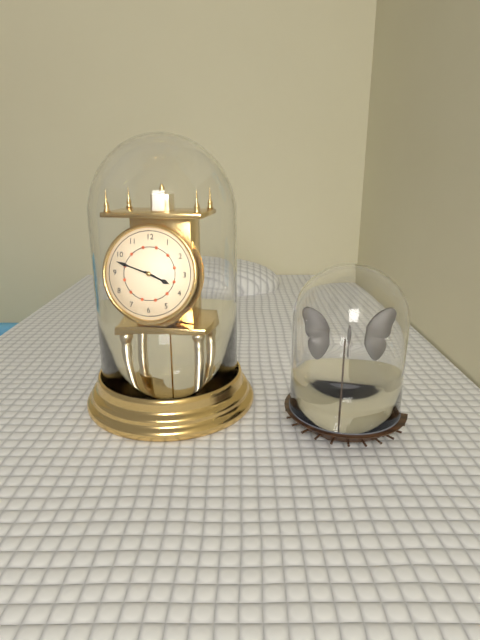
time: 3:48
